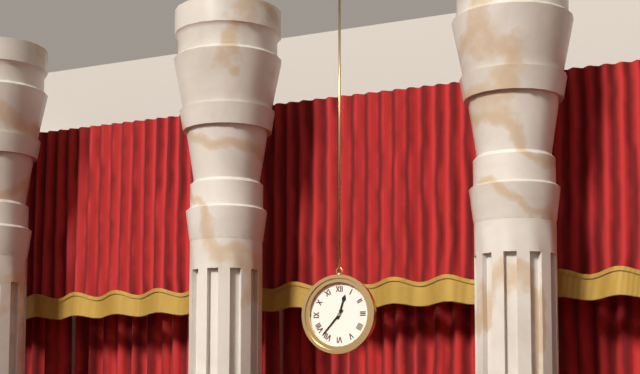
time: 12:37
